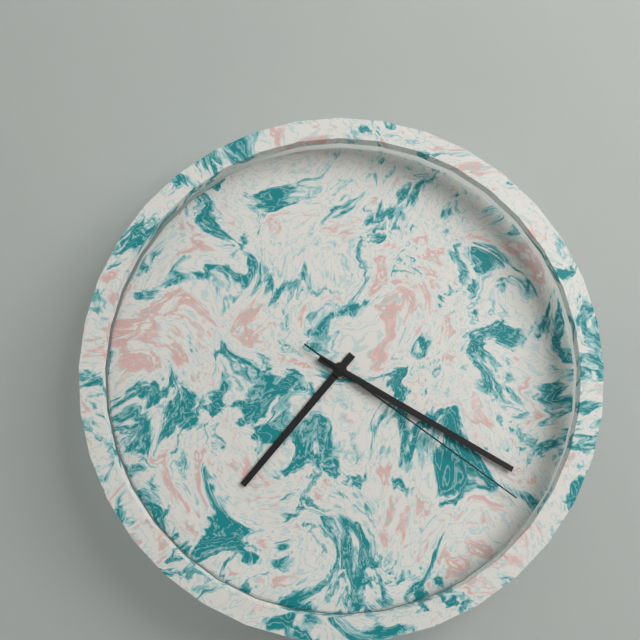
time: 7:20:21
